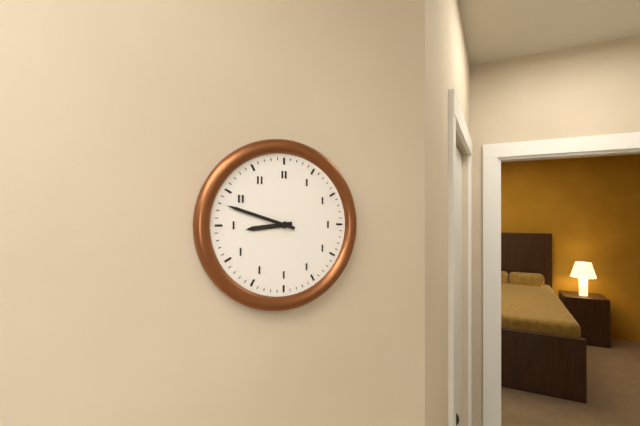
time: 8:48
